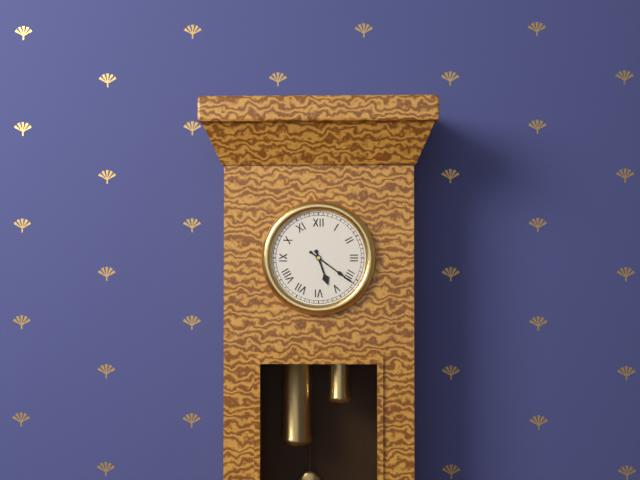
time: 5:21
